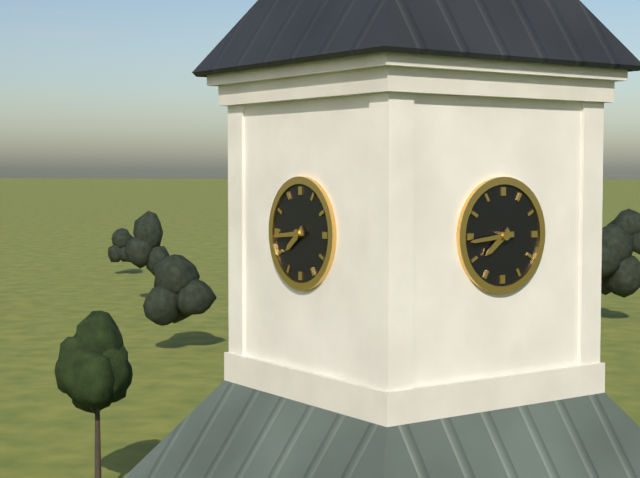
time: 7:44
